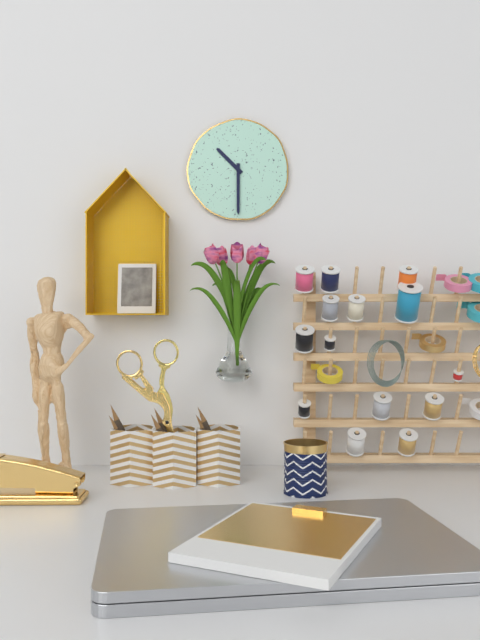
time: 10:30
